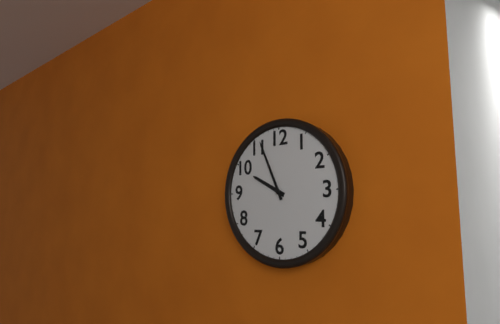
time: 9:56
